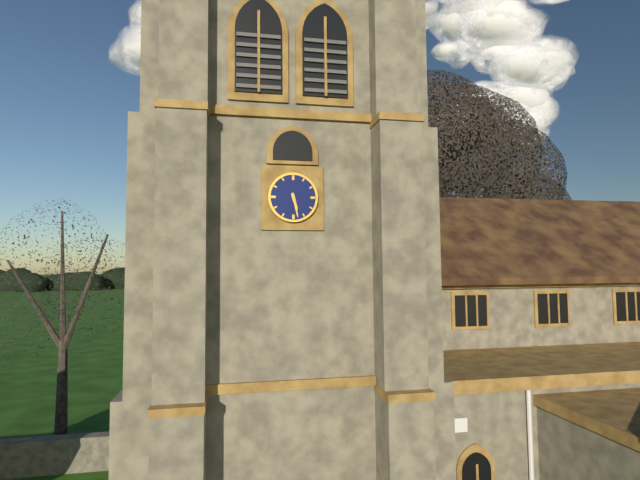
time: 5:28
